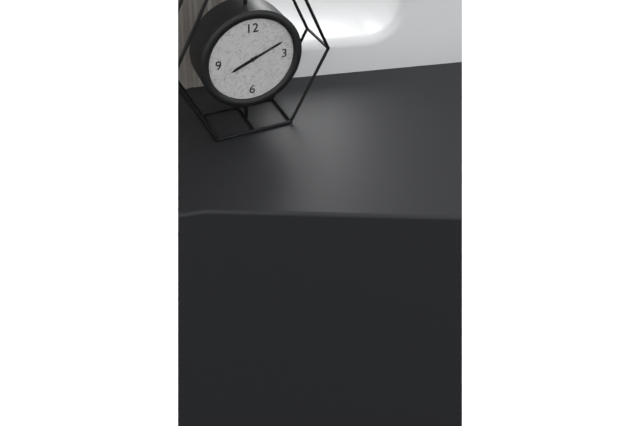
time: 8:11
